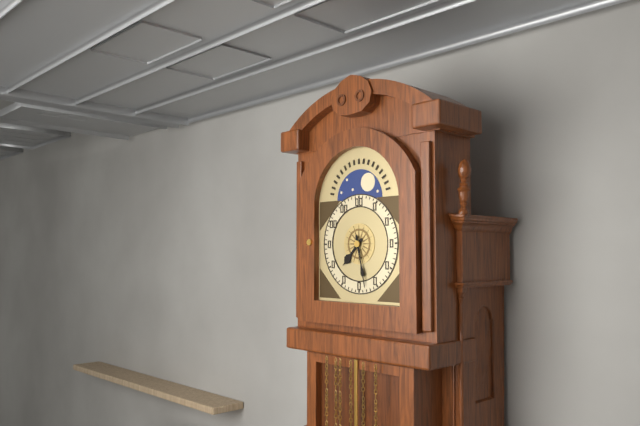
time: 7:28
